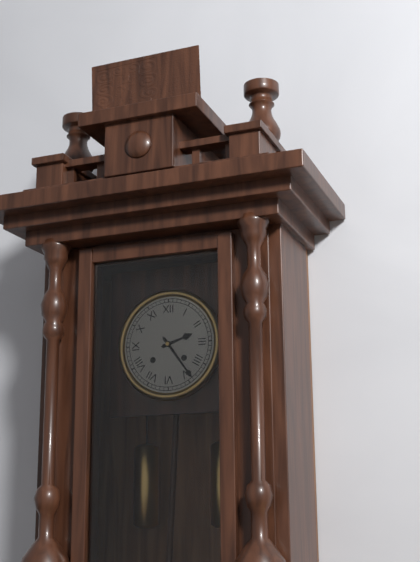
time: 2:24
